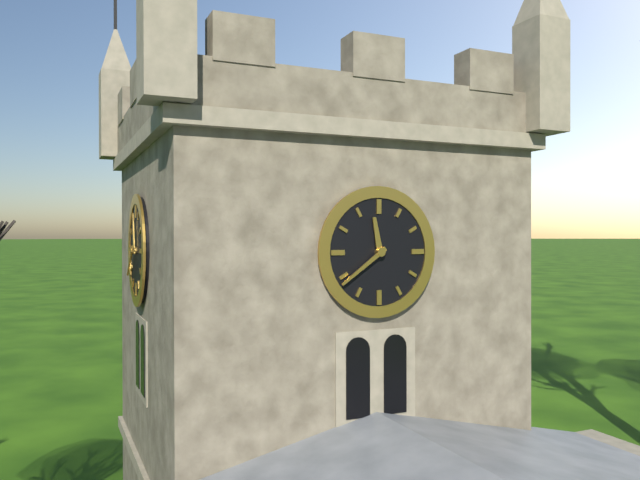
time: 11:39
